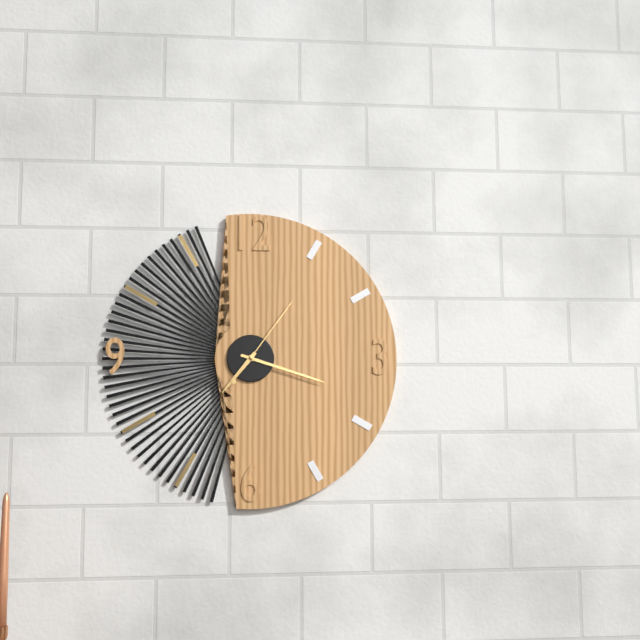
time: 7:18:06
